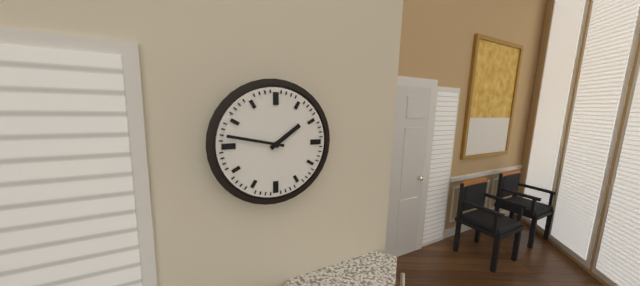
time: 1:47
